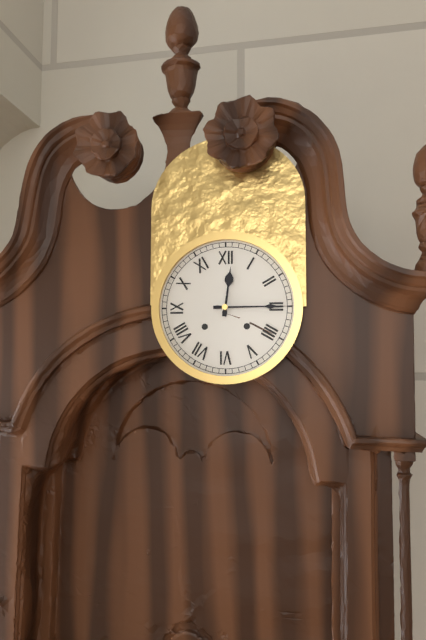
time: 12:15
